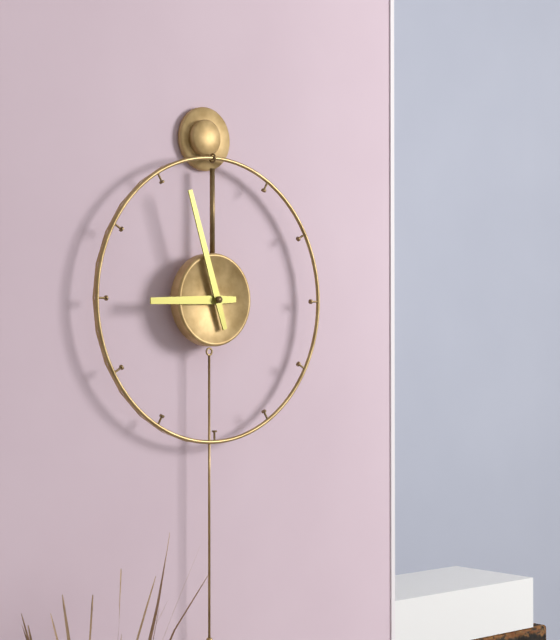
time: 8:57
